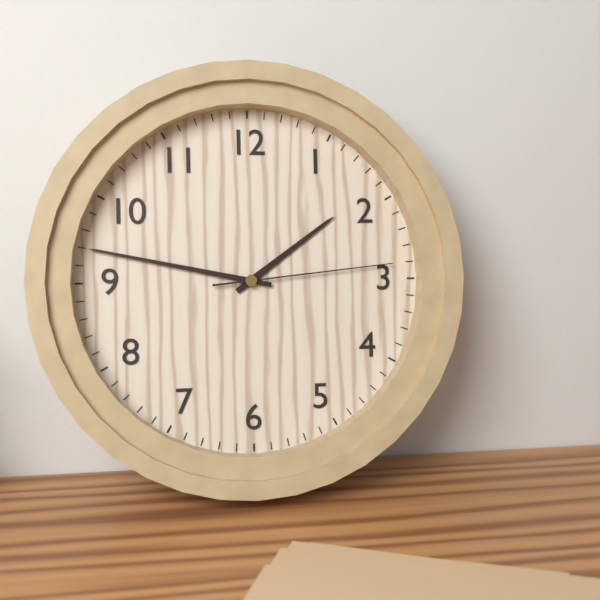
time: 1:47:14
